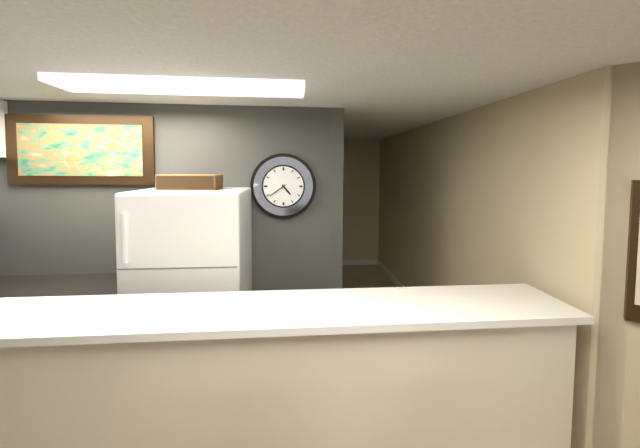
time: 4:39
